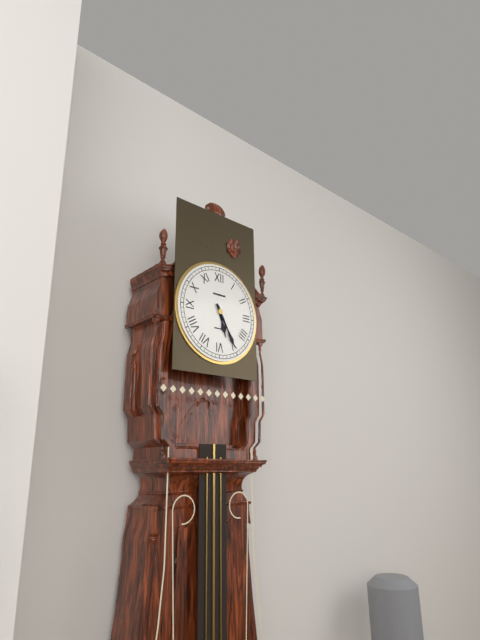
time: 5:25
